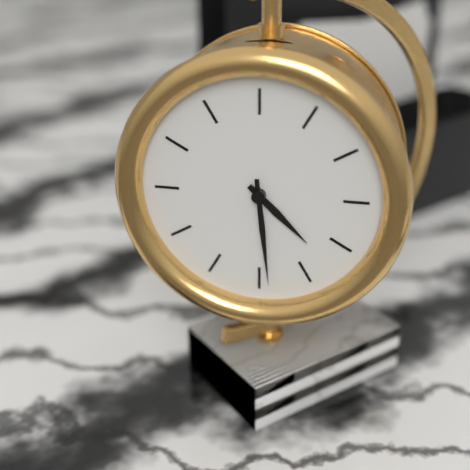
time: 4:29
